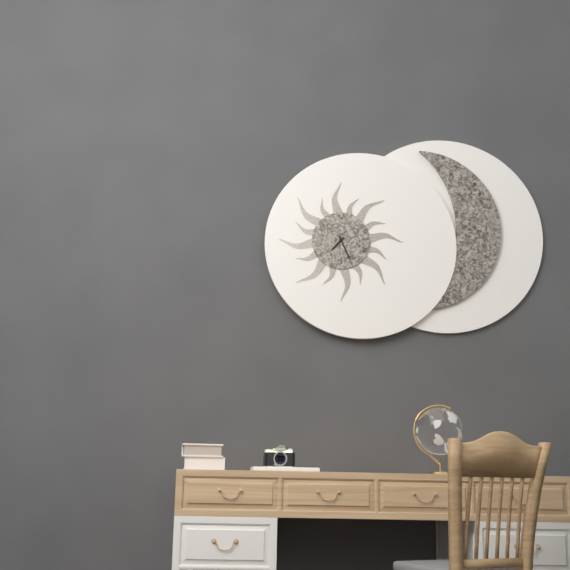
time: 7:26
